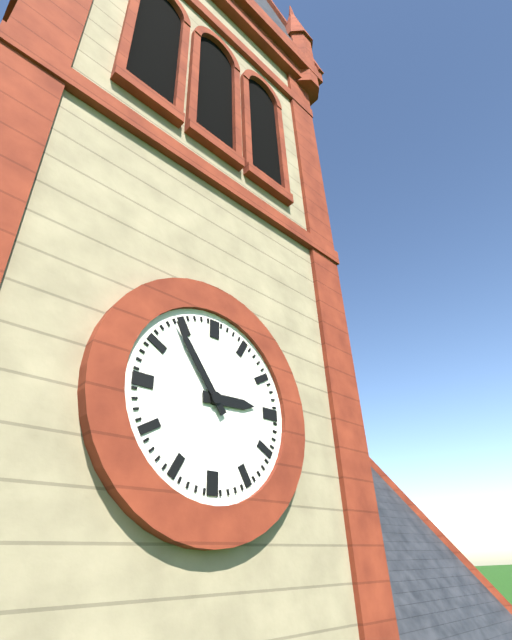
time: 2:54
